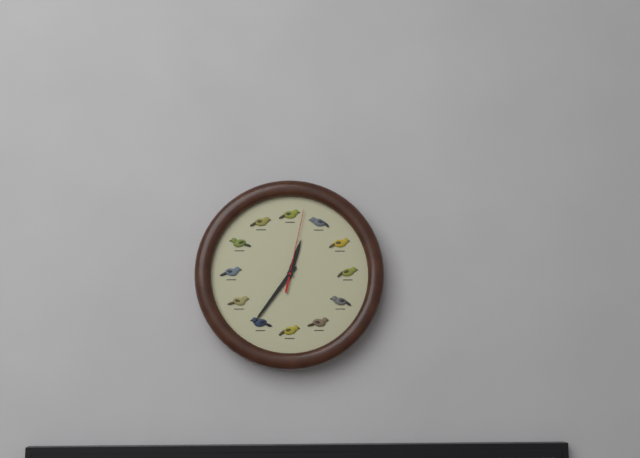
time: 12:36:02
